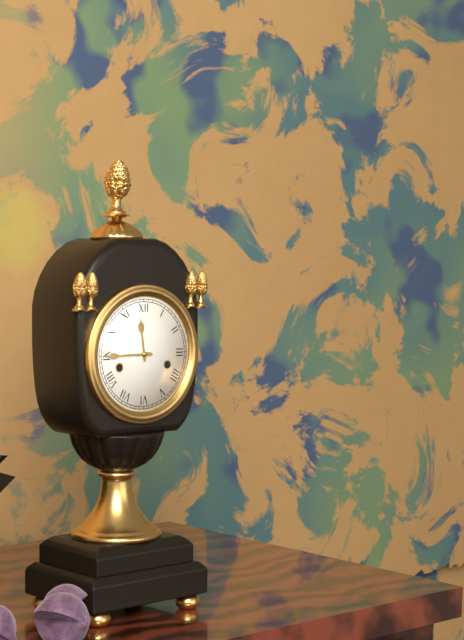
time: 11:45
